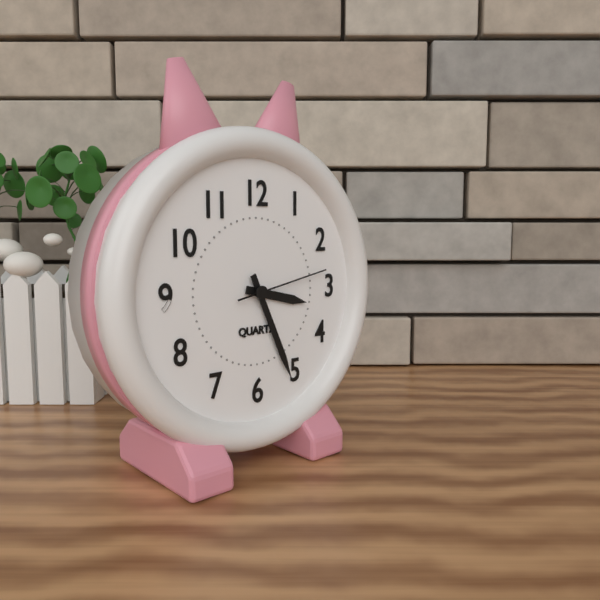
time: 3:26:13
